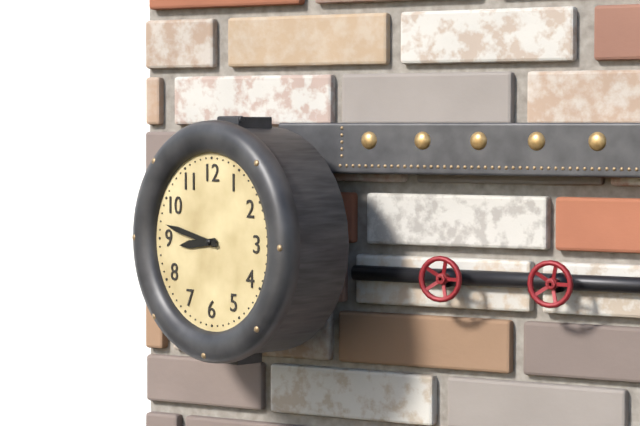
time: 8:47
